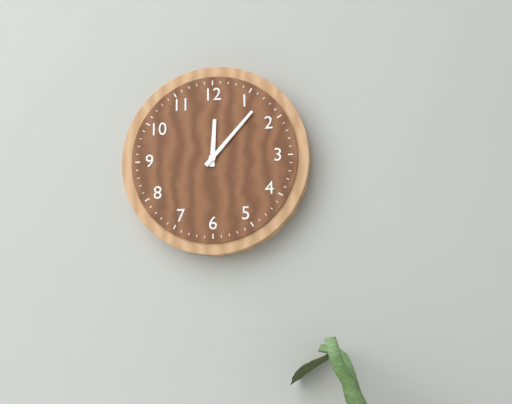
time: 12:07
